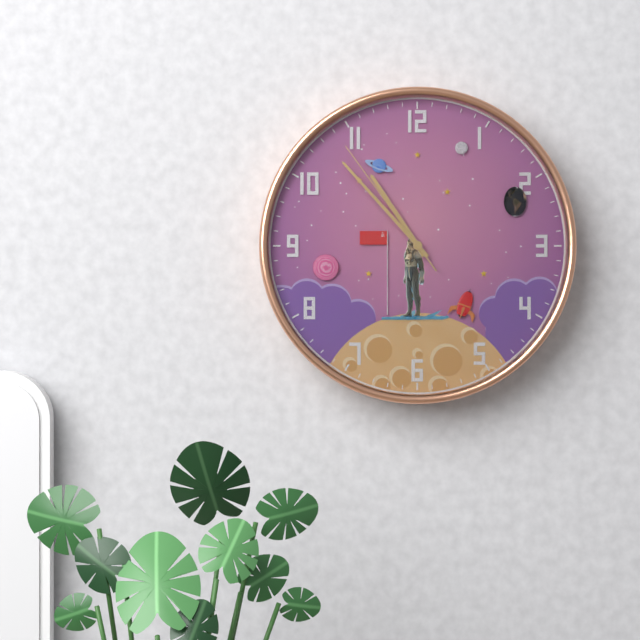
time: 10:53:54
